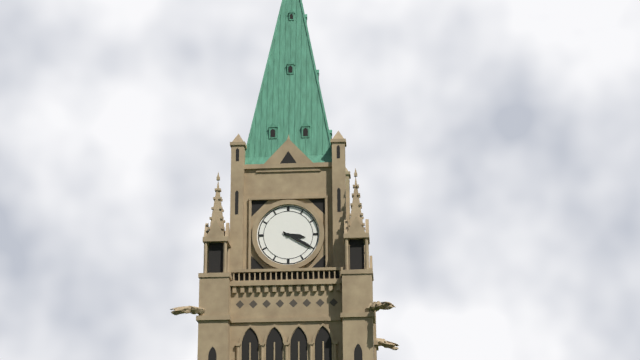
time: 3:20
